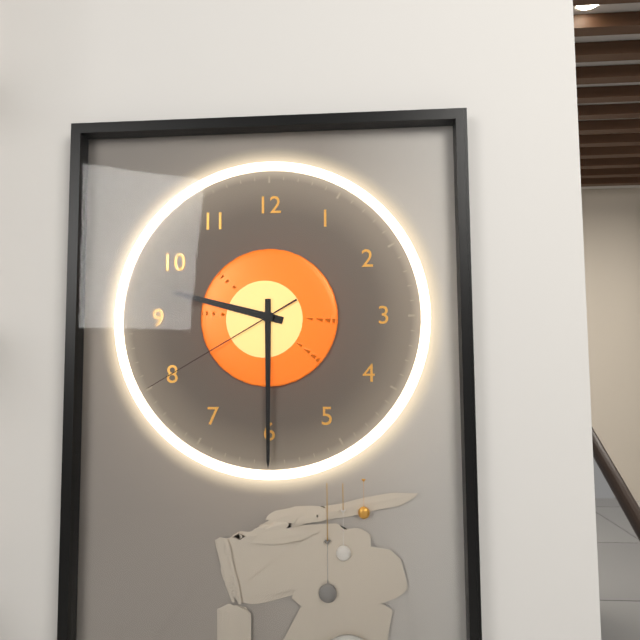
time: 9:30:40
